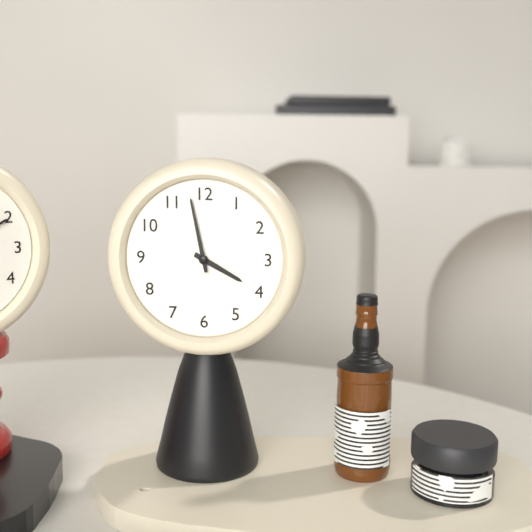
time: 3:58
